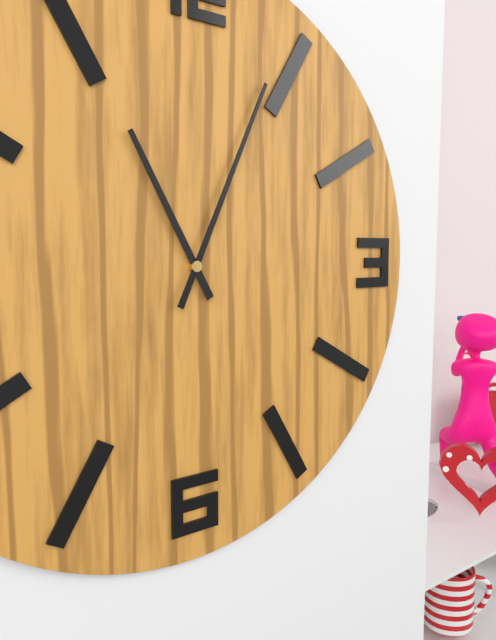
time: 11:04
